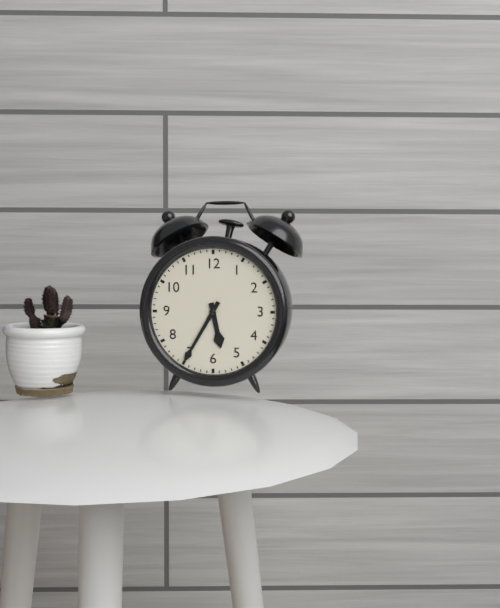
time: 5:35
